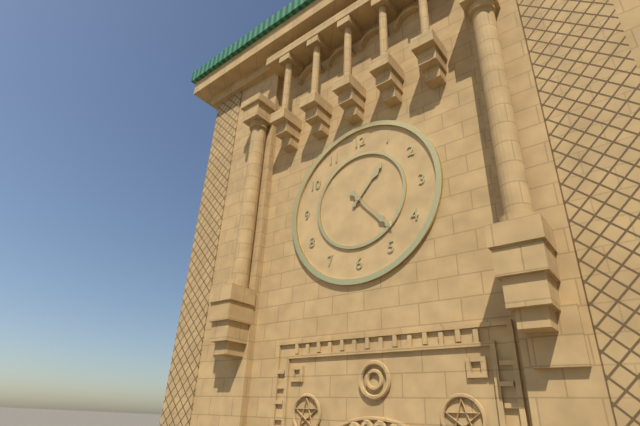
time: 1:23
